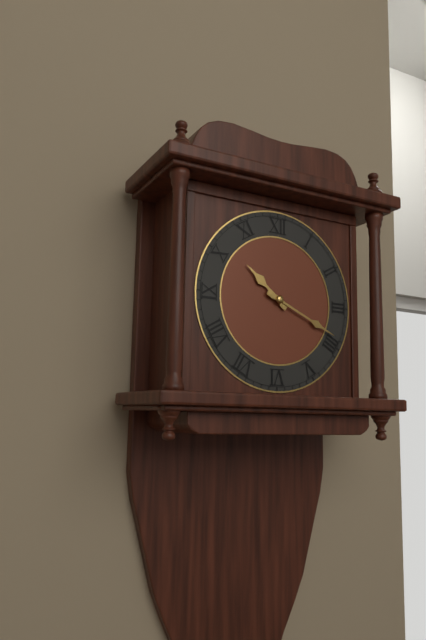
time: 10:19
